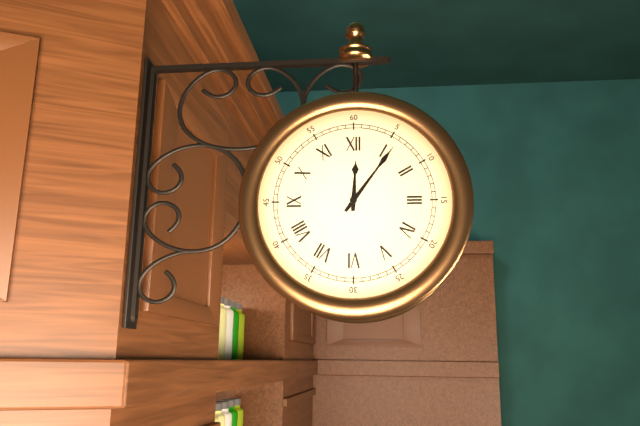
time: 12:06
